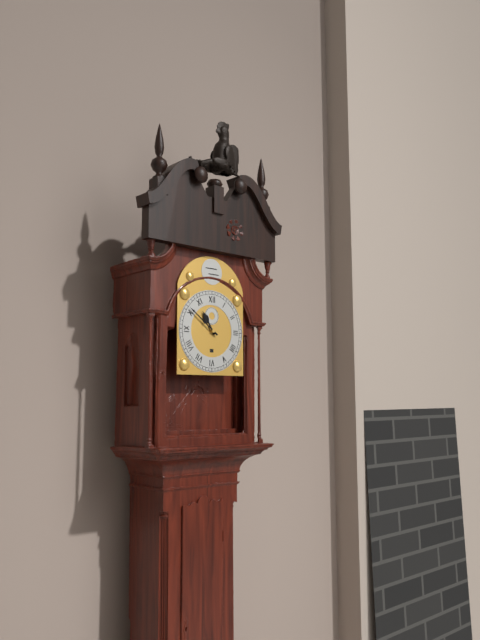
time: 10:51
